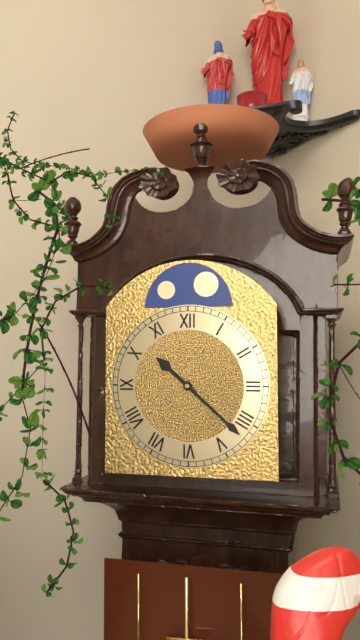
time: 10:22
